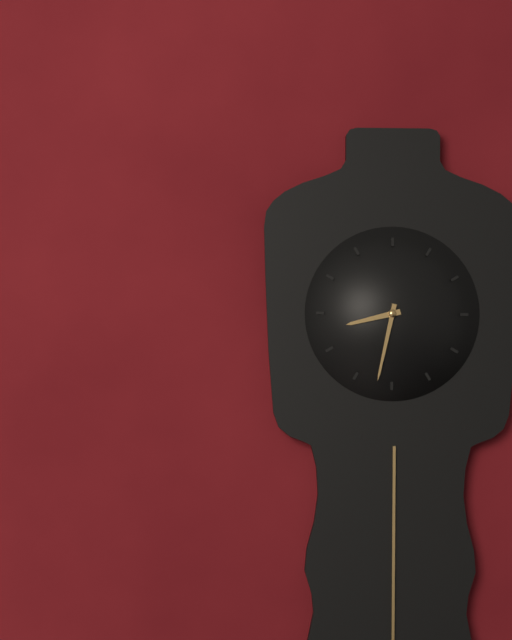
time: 8:32
